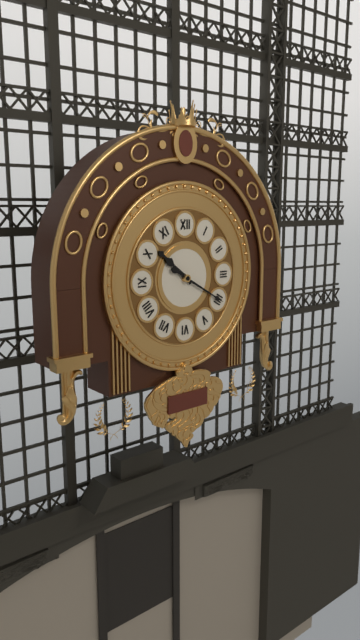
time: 10:20
